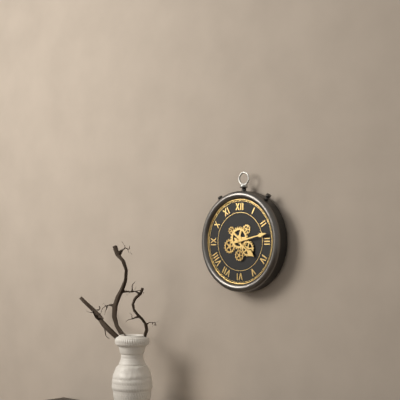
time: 4:13
